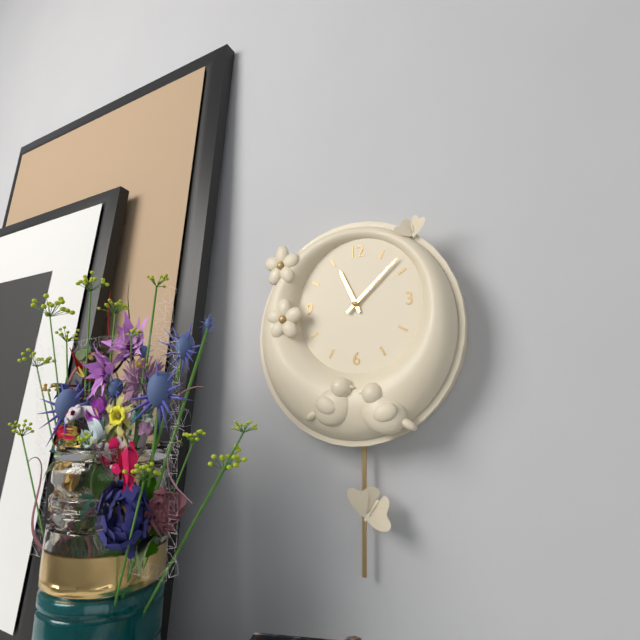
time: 11:08
